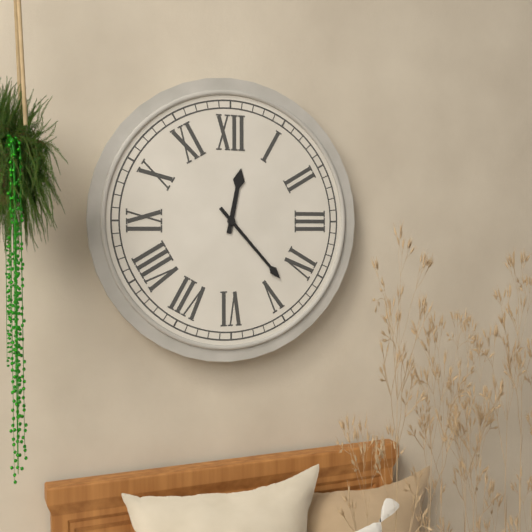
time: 12:23
